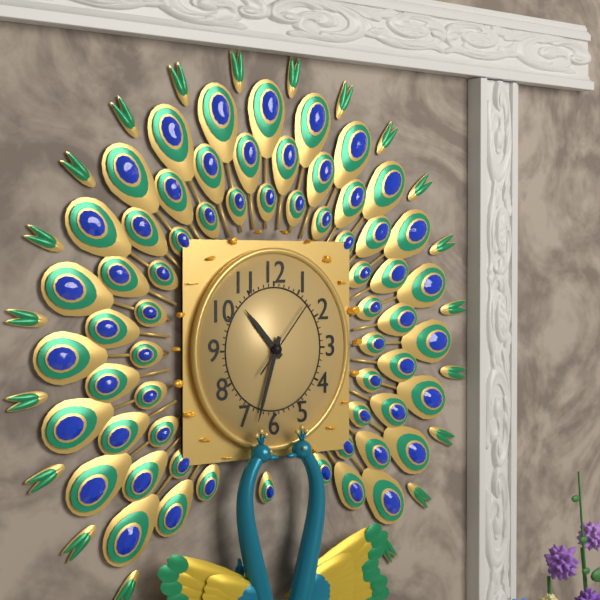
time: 10:33:07
